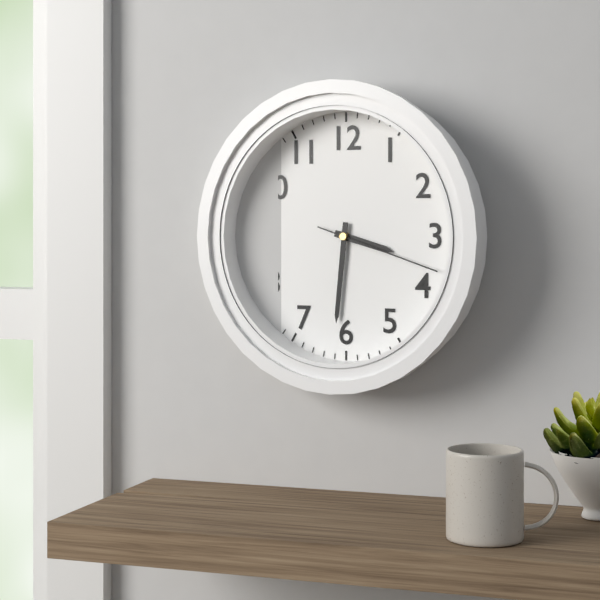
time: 3:31:18
